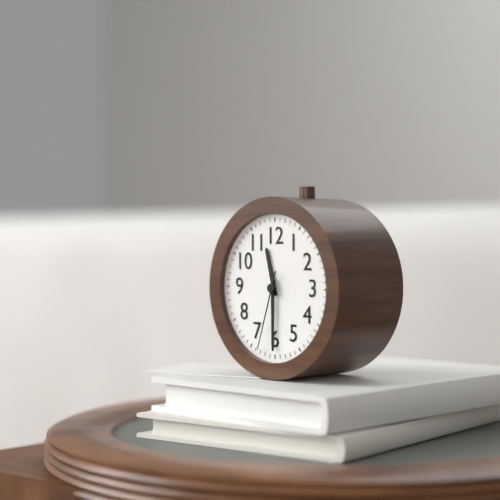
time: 11:30:33
